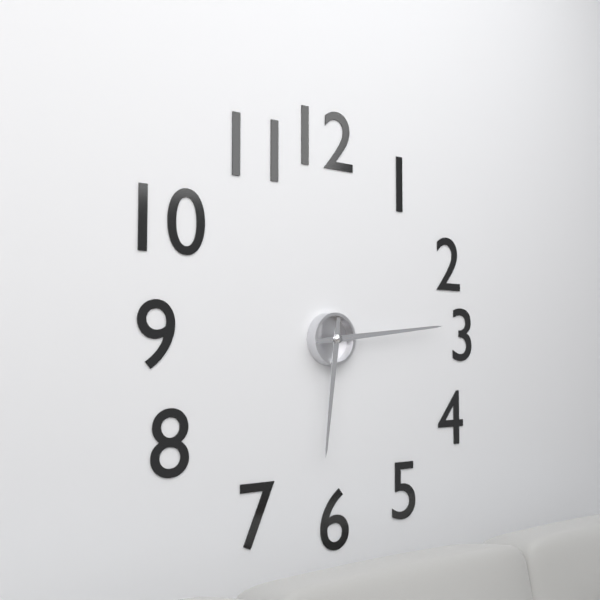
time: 6:14
